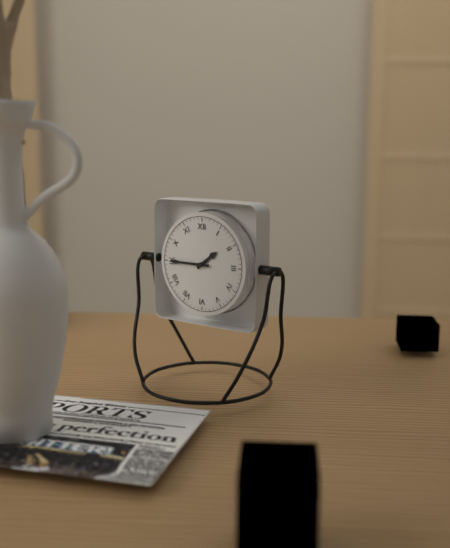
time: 1:45
